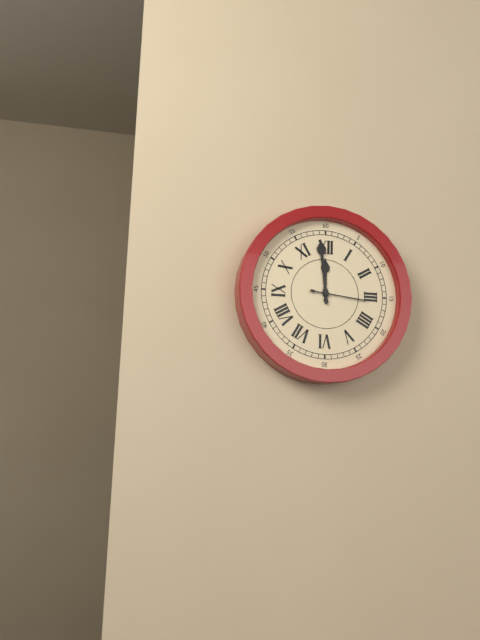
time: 11:59:16
